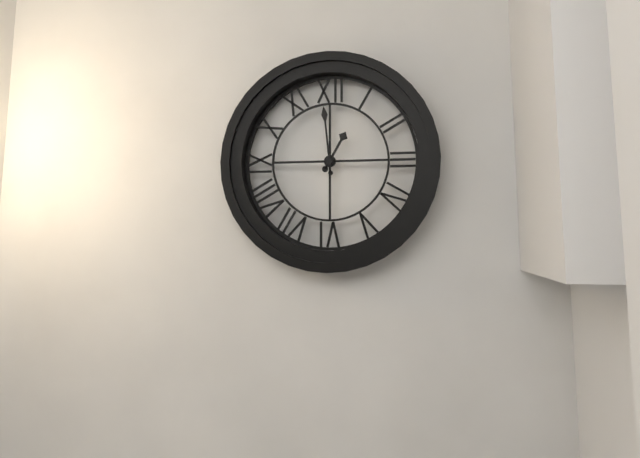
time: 12:59
